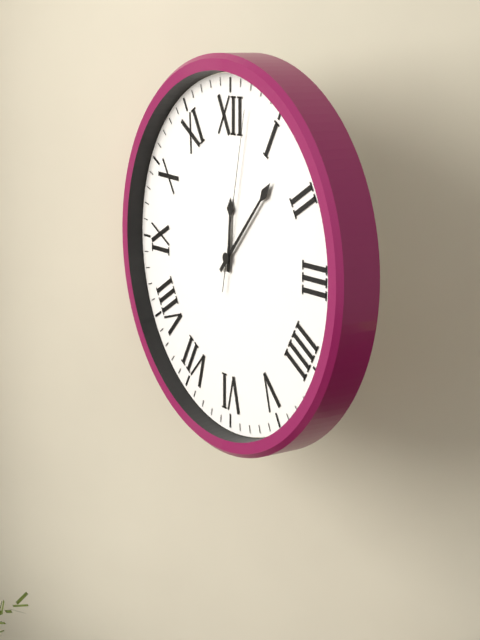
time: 12:07:02
